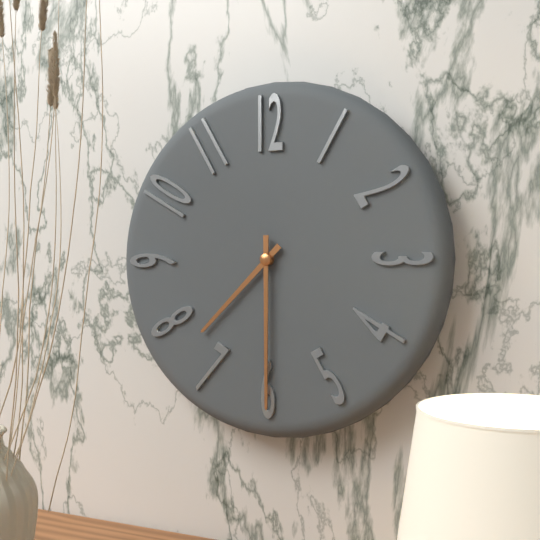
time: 7:30
